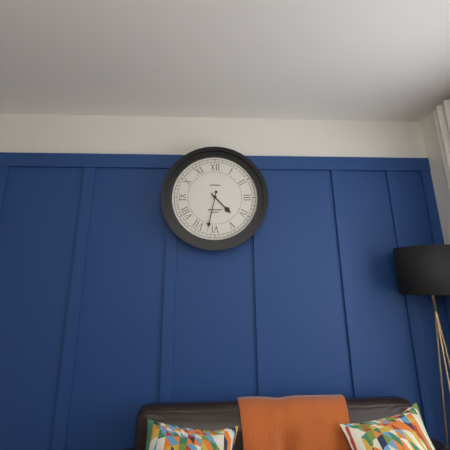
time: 4:32
